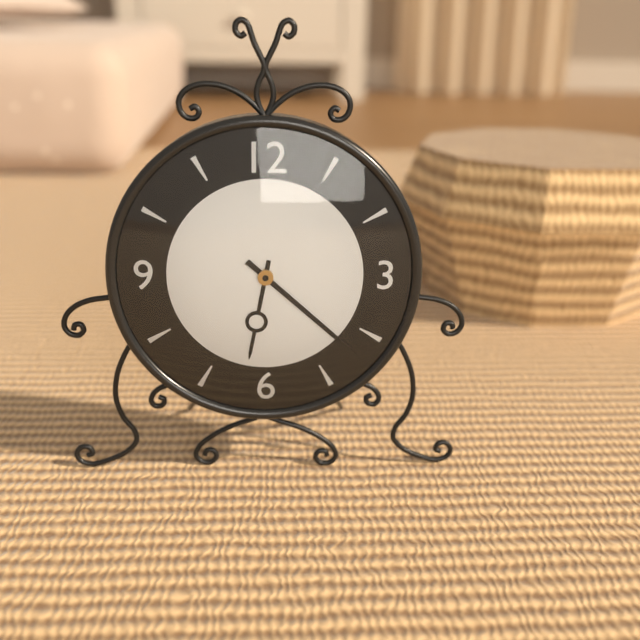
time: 6:22
